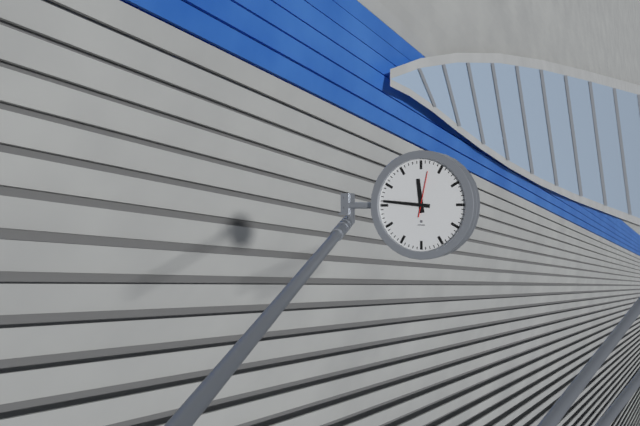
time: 11:46
